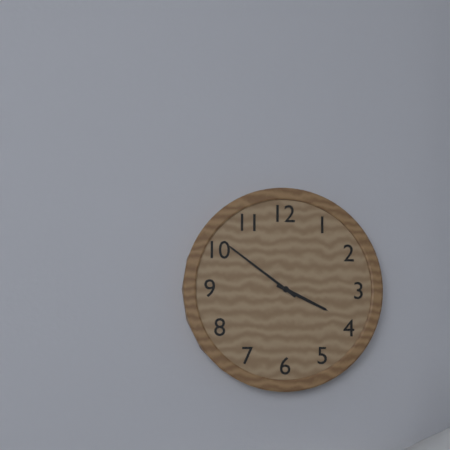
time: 3:51
